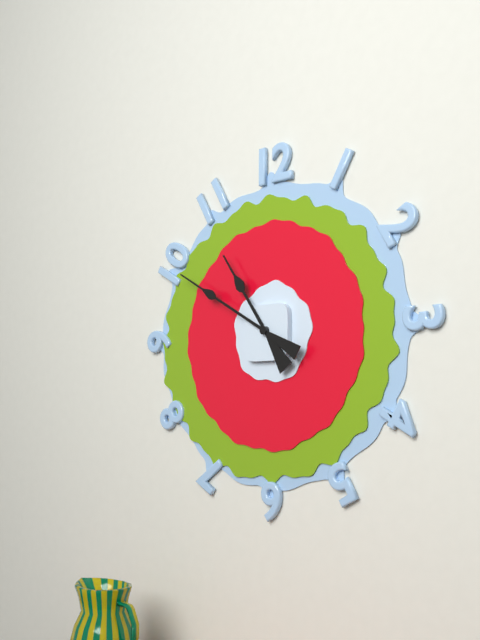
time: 10:50
